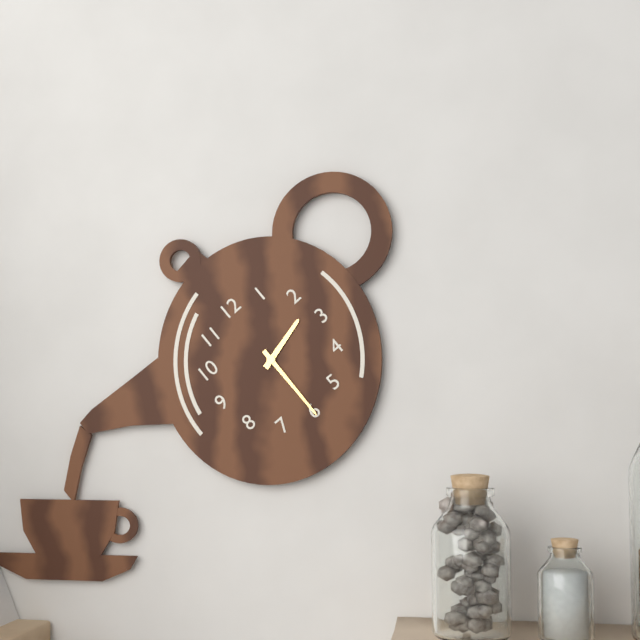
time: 2:30
